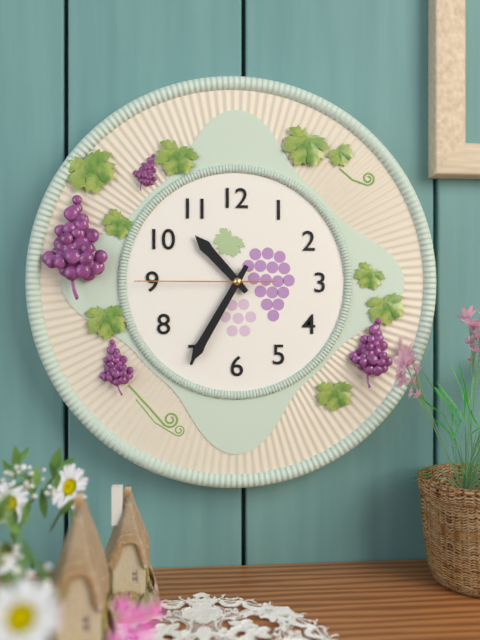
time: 10:35:45
